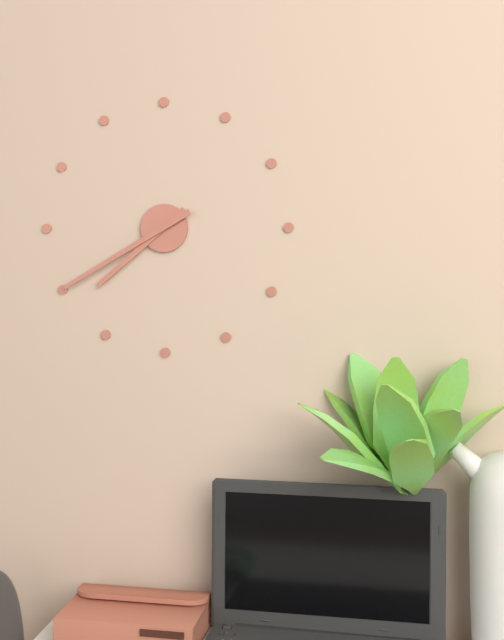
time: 7:40
